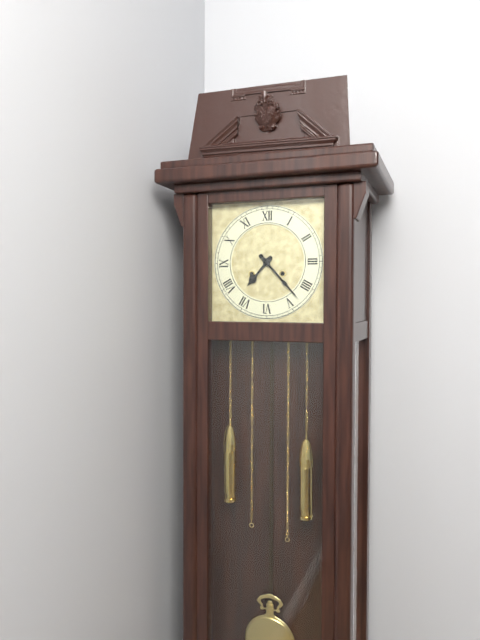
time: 7:23
